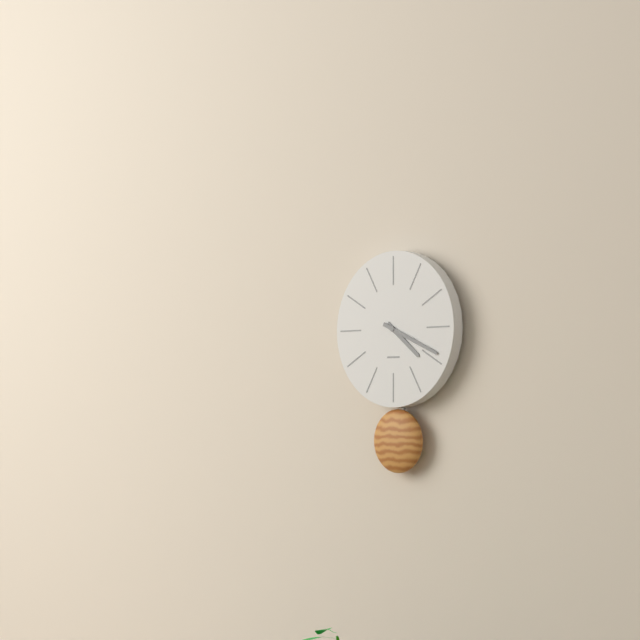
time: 4:19
